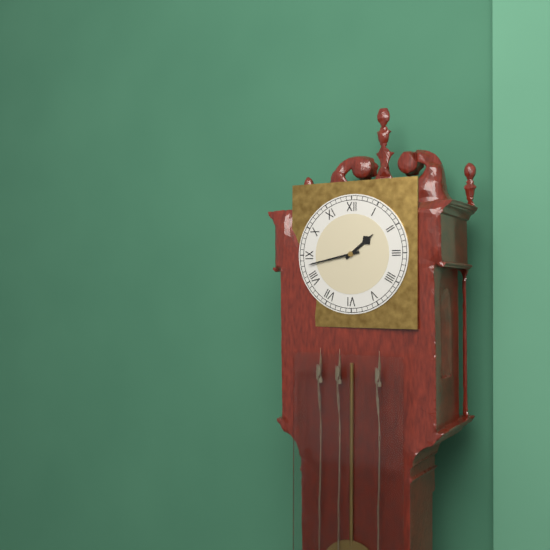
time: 1:43
